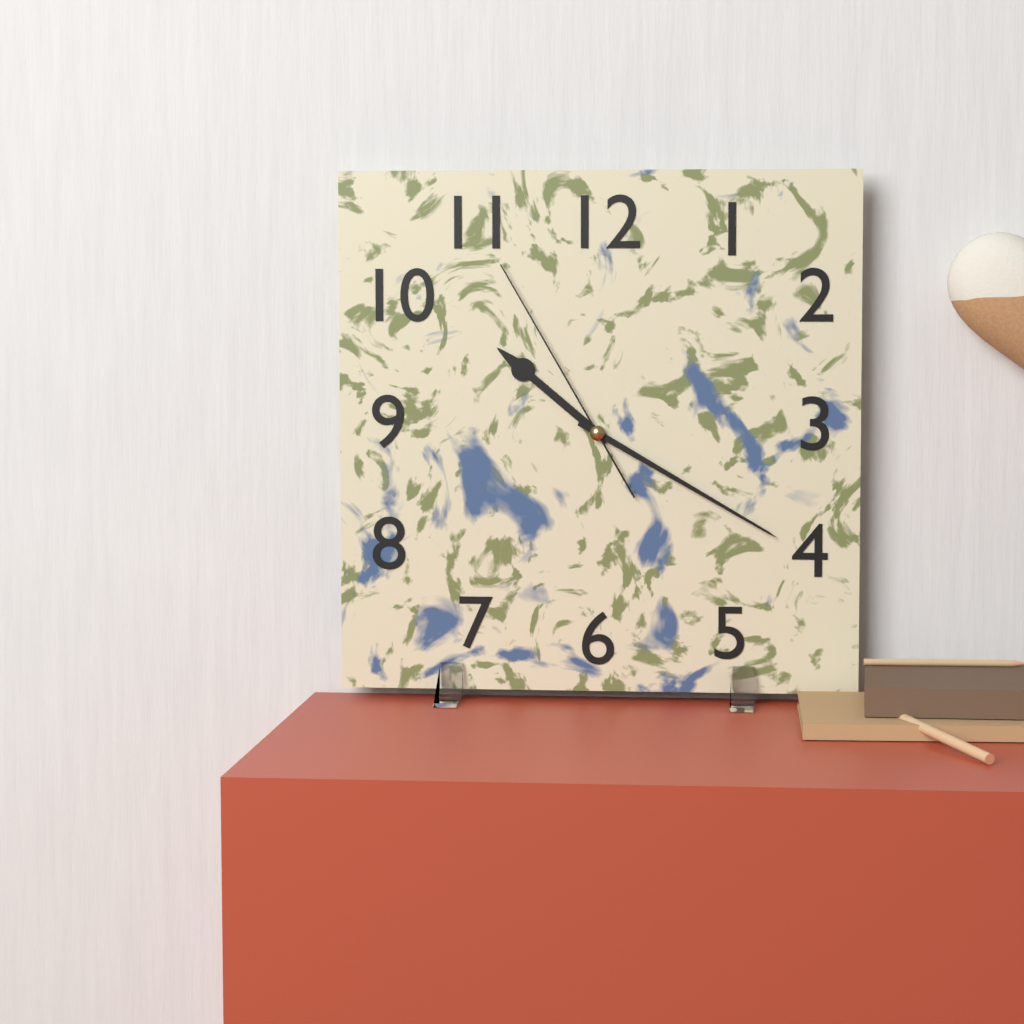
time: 10:20:55
